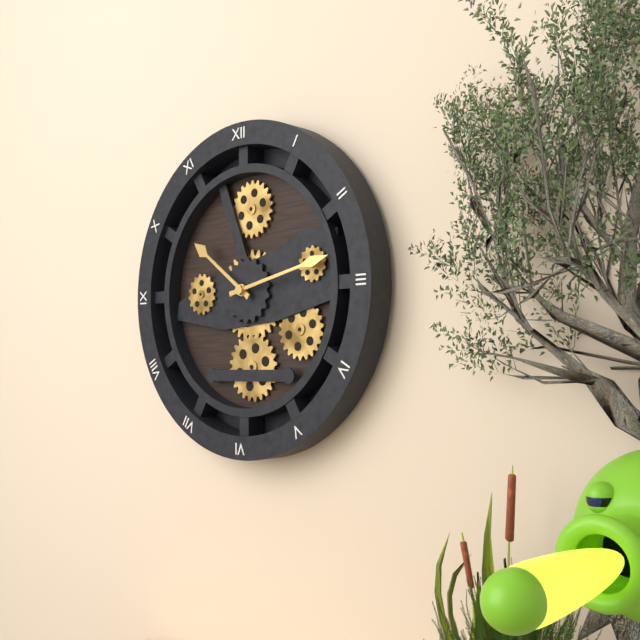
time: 10:13
